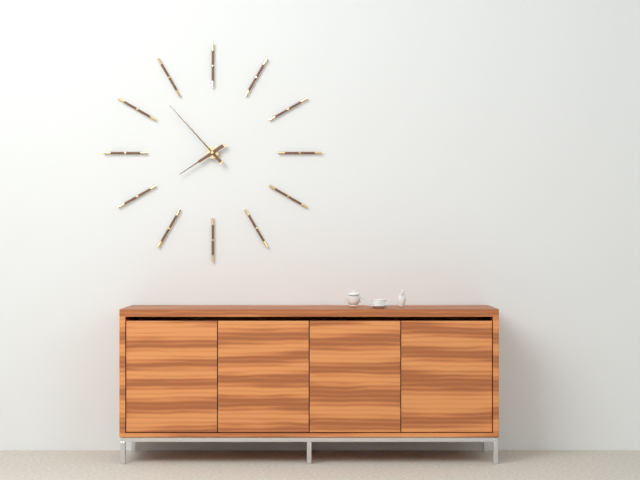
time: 7:53
